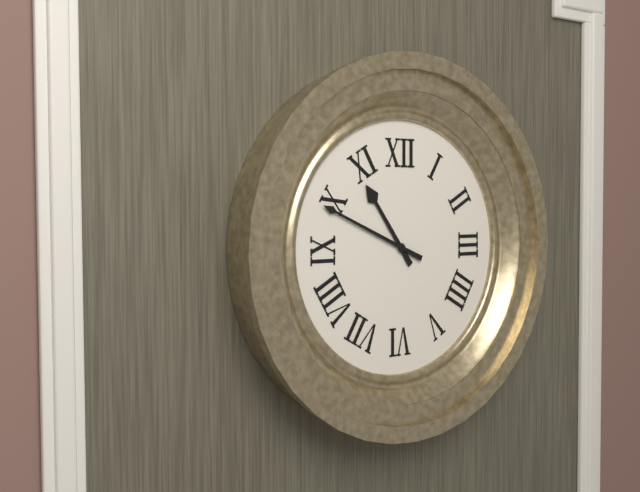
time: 10:49
